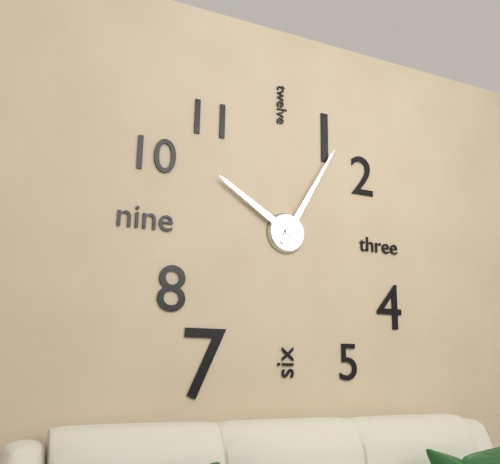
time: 10:05
